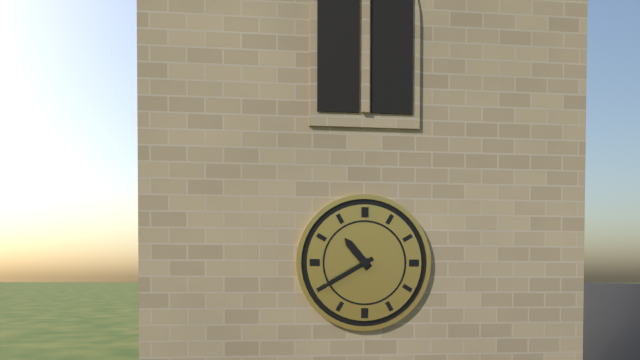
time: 10:40
